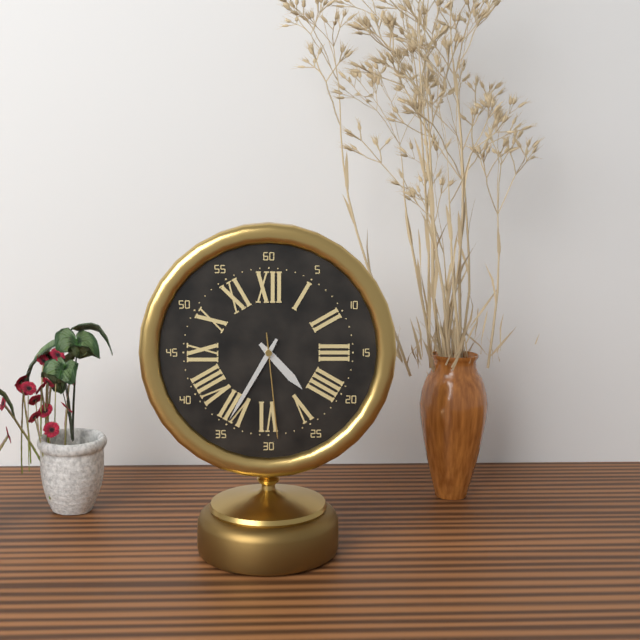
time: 4:35:29
